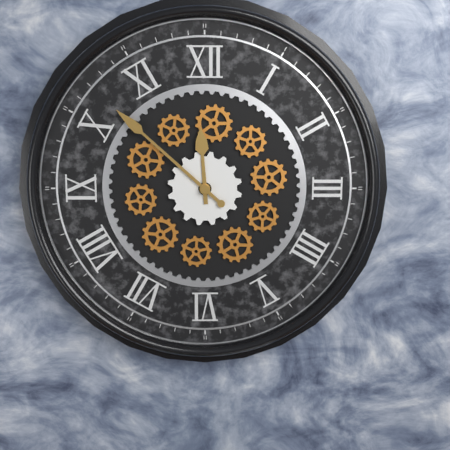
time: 11:52
